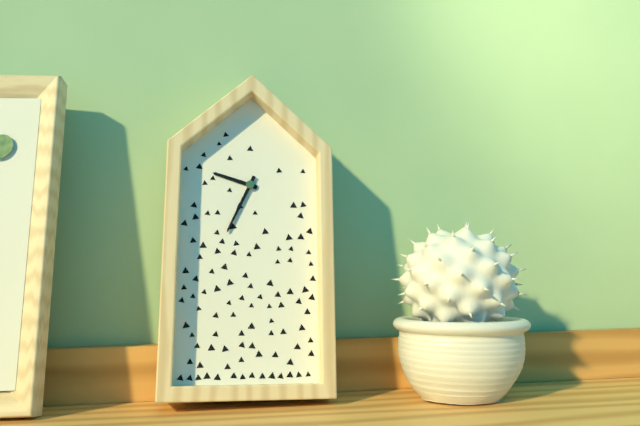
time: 9:34
